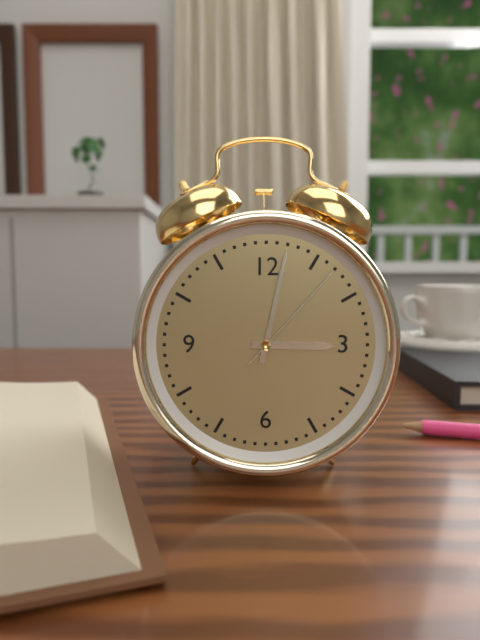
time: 3:02:07
